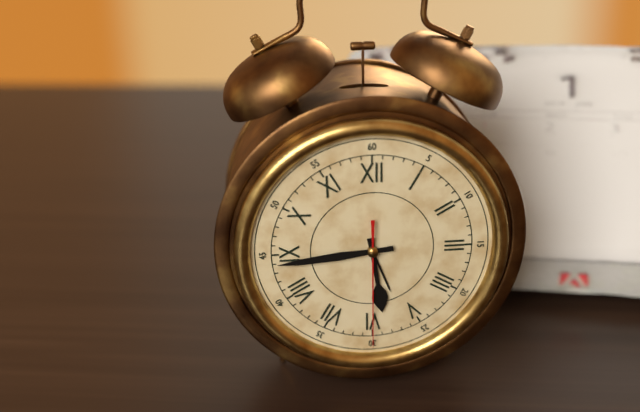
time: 5:44:30
